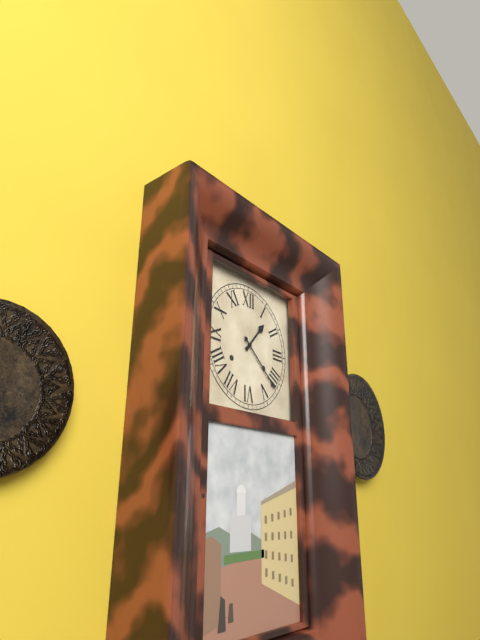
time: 1:22
